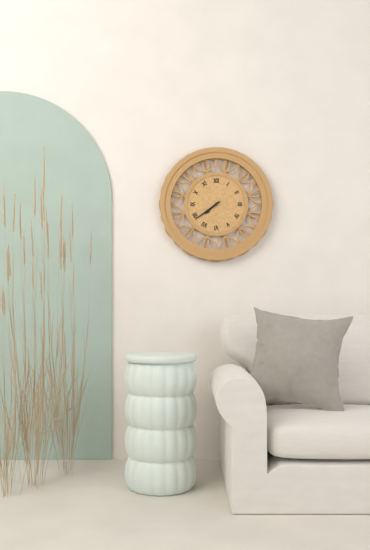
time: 7:39
